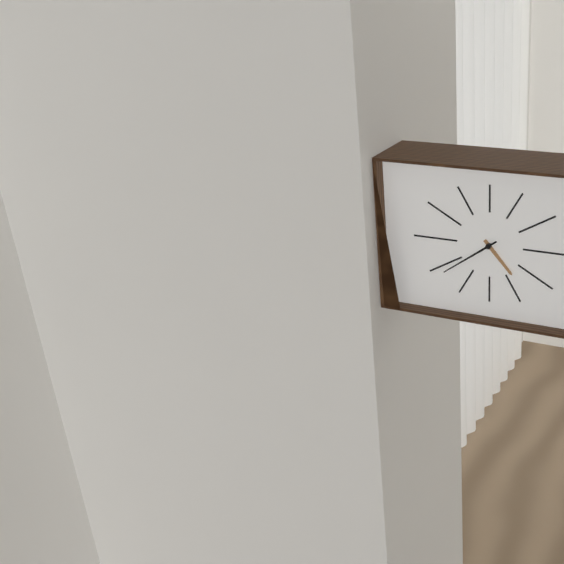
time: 4:39
